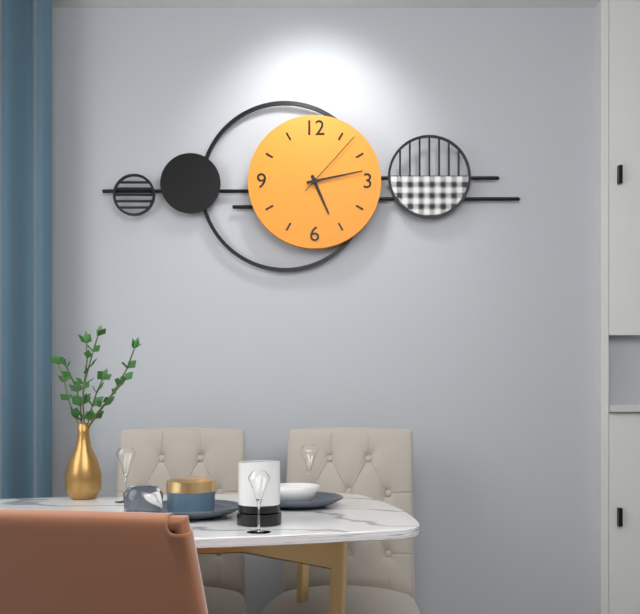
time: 5:13:07
